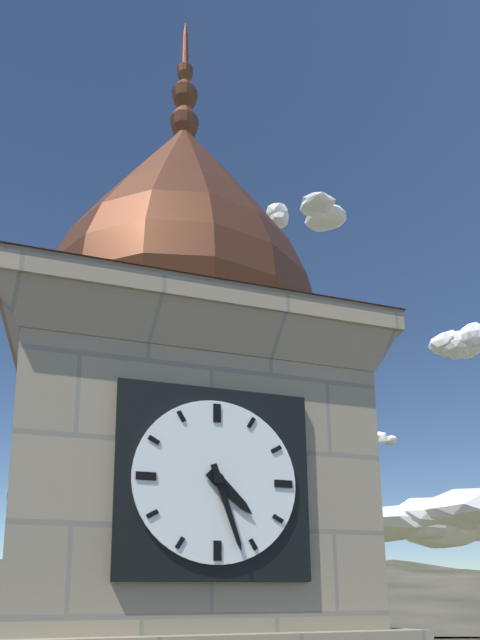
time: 4:27
